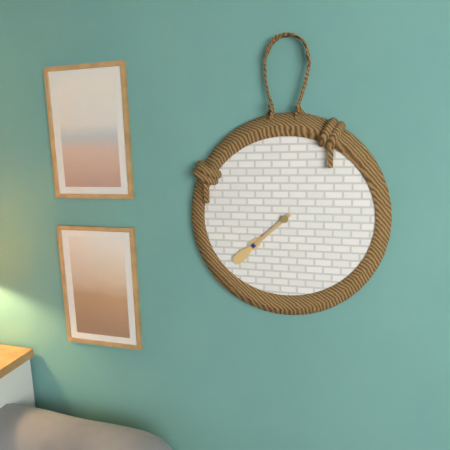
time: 7:38
